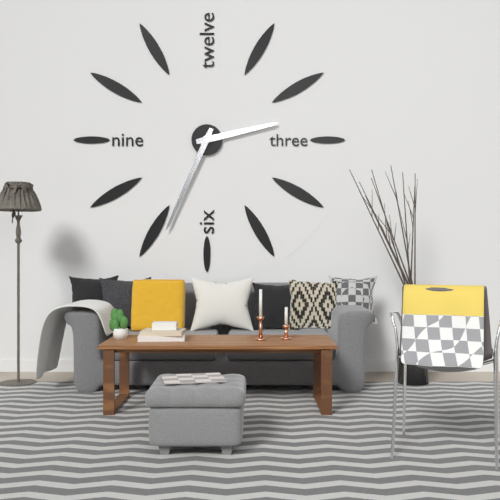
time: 2:34
